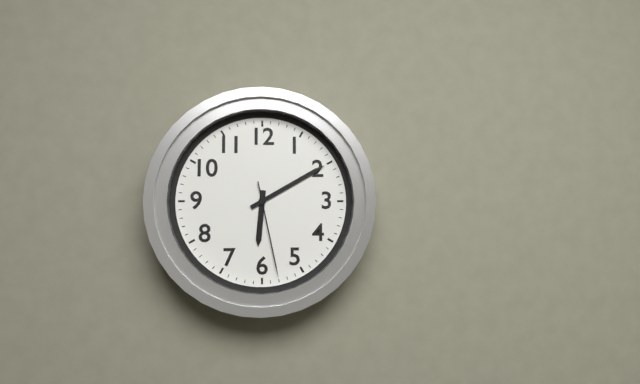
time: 6:10:28
